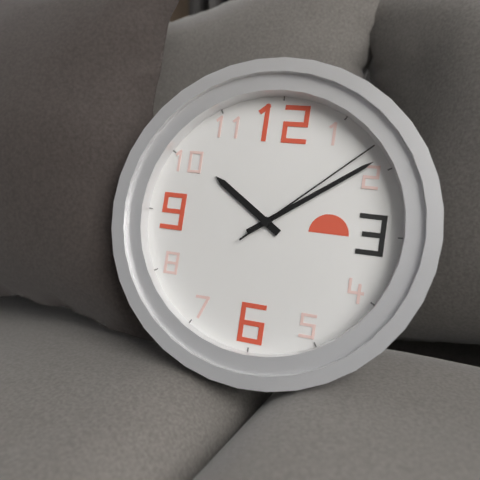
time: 10:09:08
